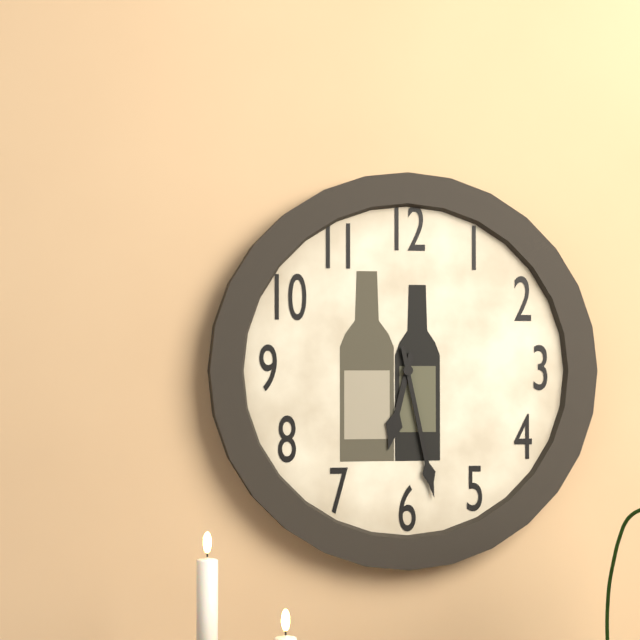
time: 6:28
